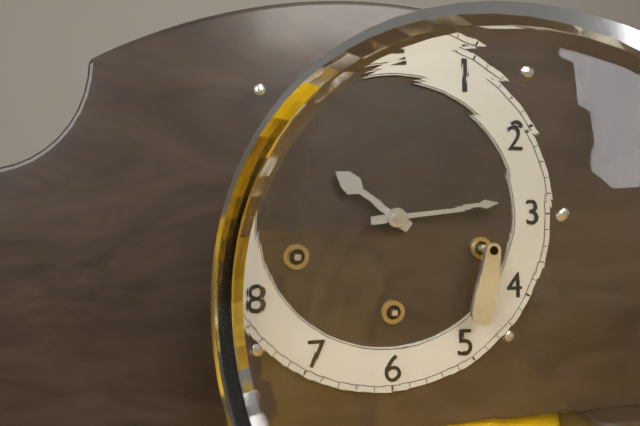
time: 10:14
